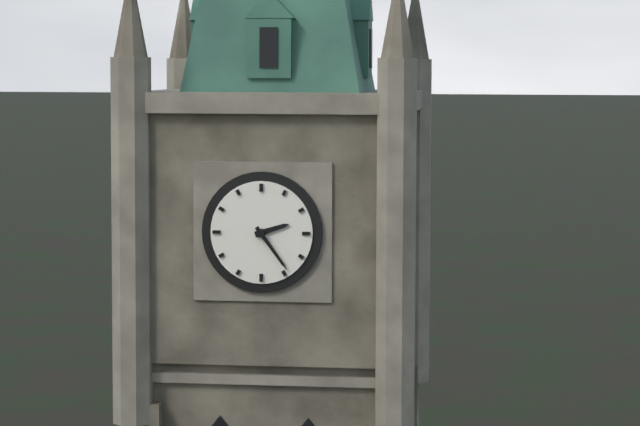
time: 2:24
